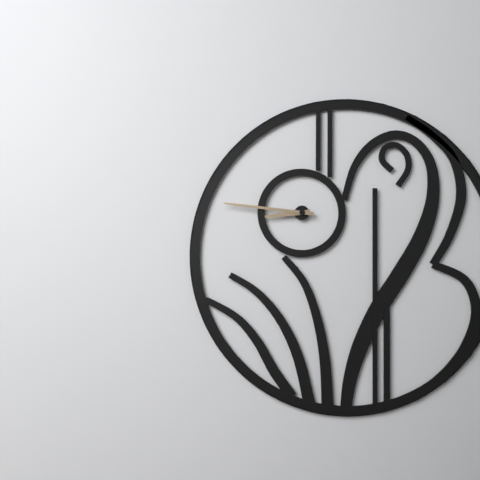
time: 8:46
